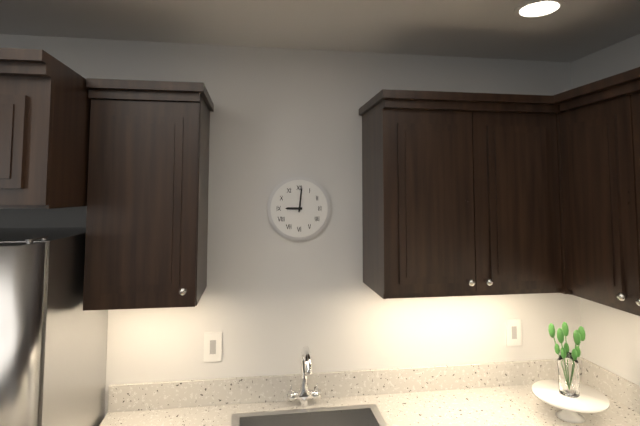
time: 9:01
